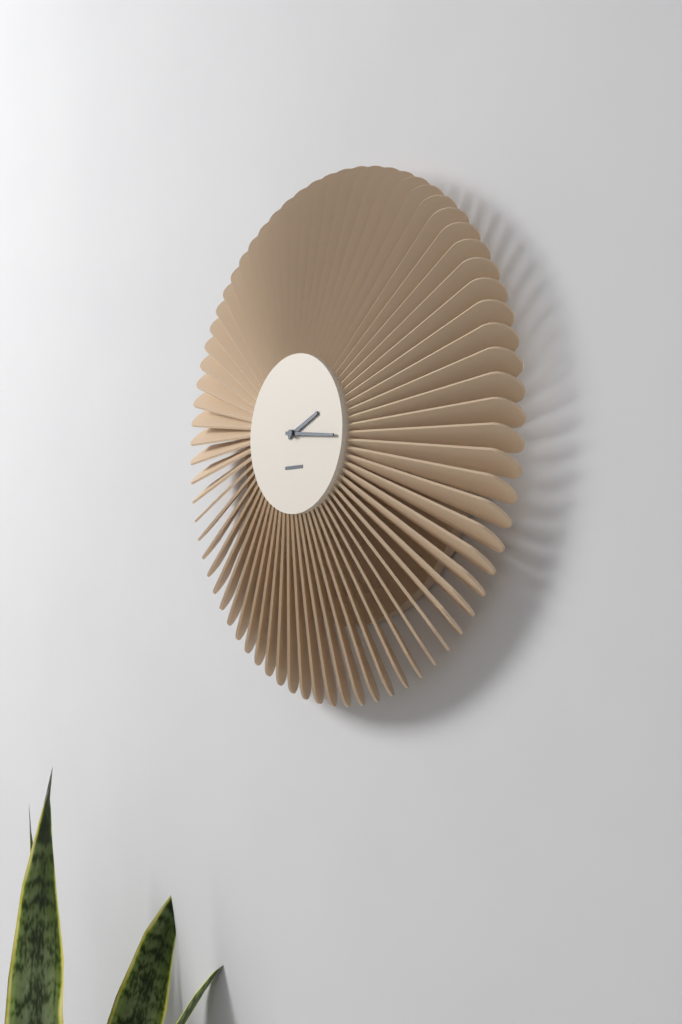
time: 2:16
